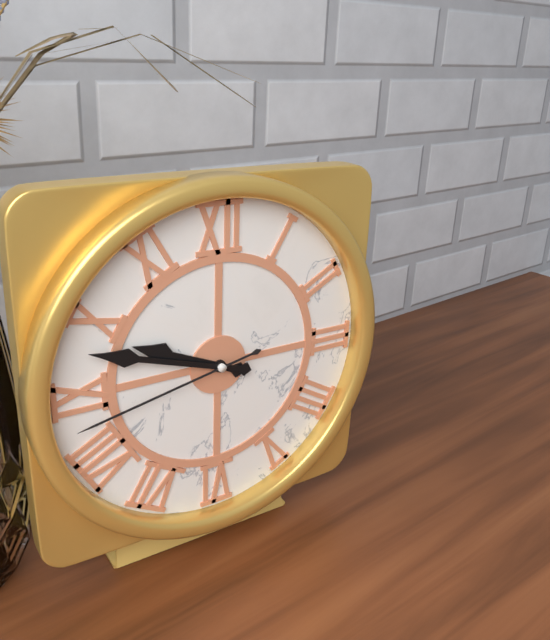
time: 9:48:43
